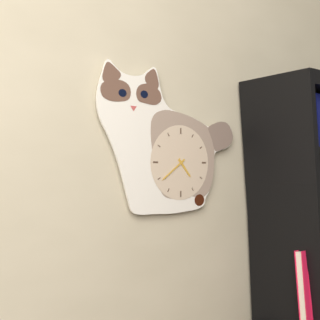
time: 4:39
